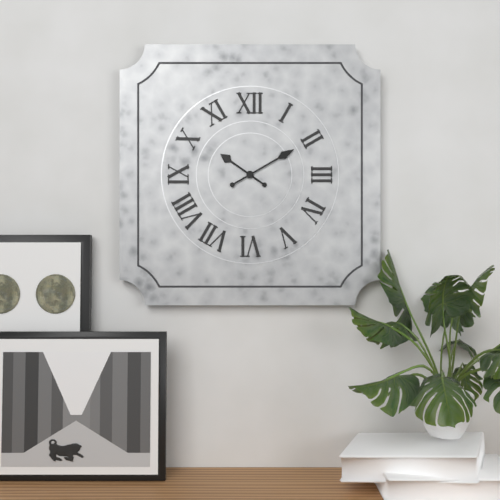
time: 10:10
